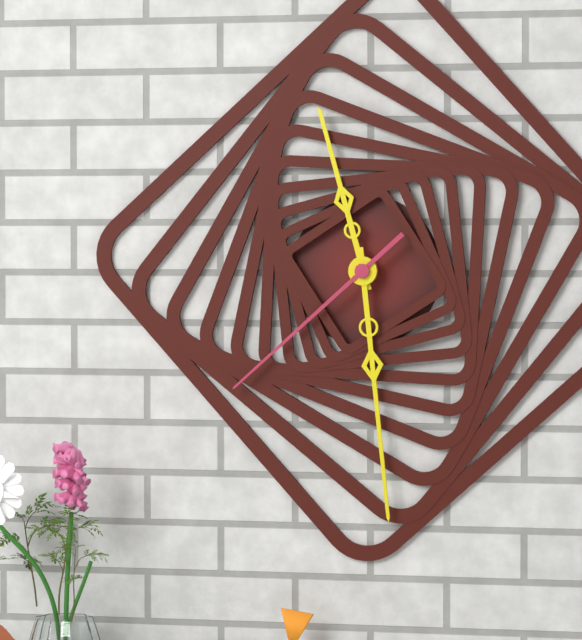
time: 11:29:38
